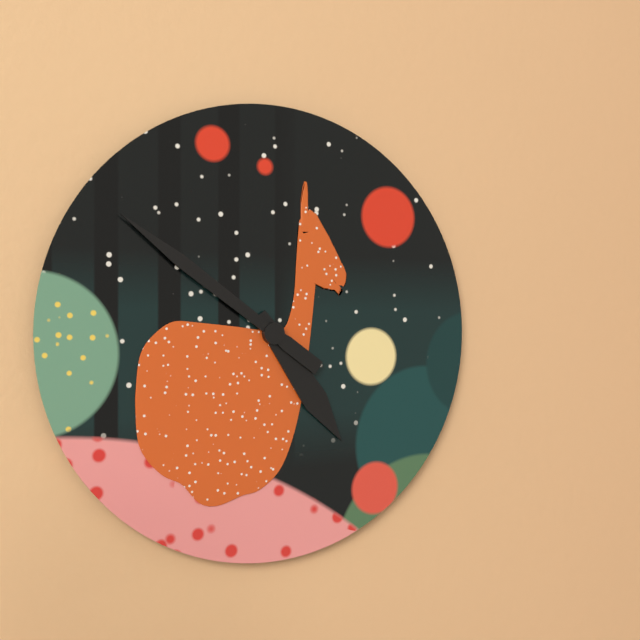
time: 4:51
